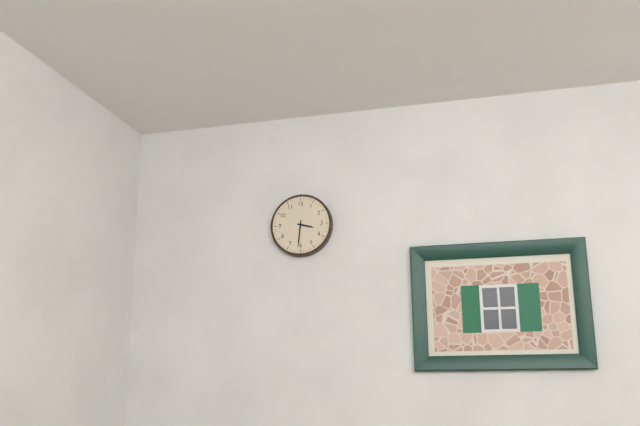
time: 3:31
